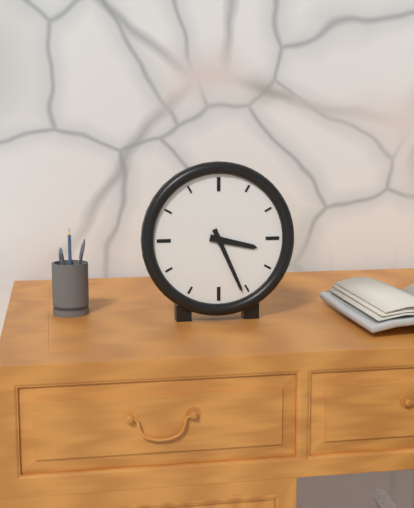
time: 3:26
